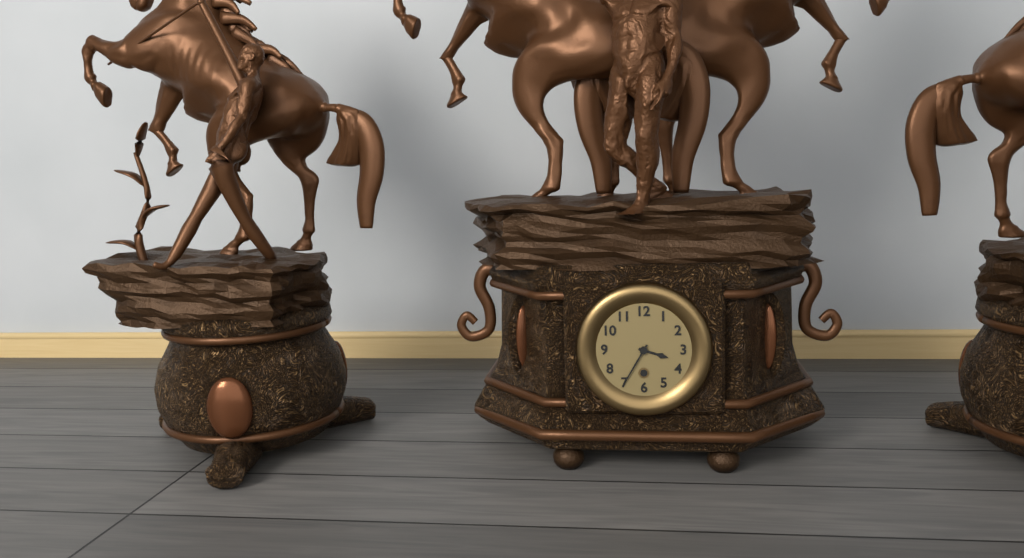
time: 3:35
